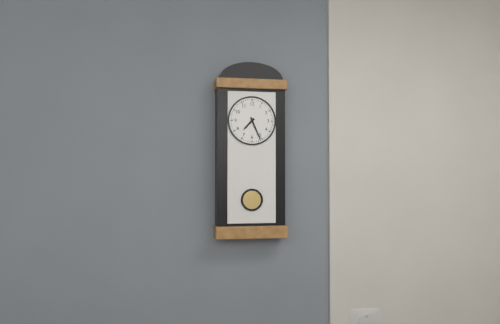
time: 7:26
